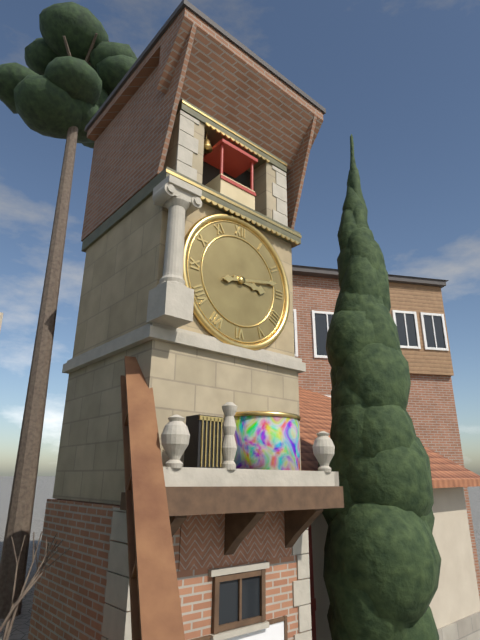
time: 3:13
